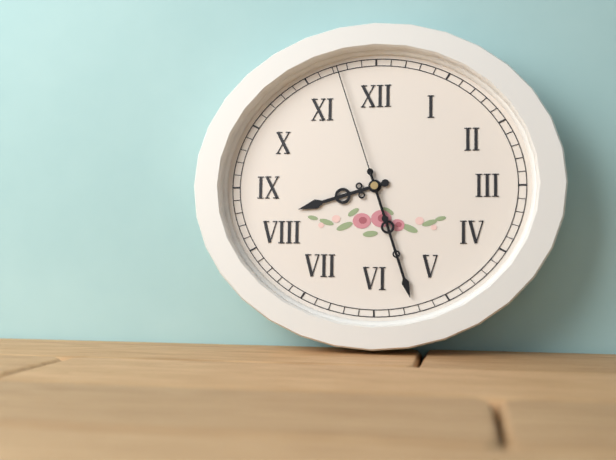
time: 8:27:57
